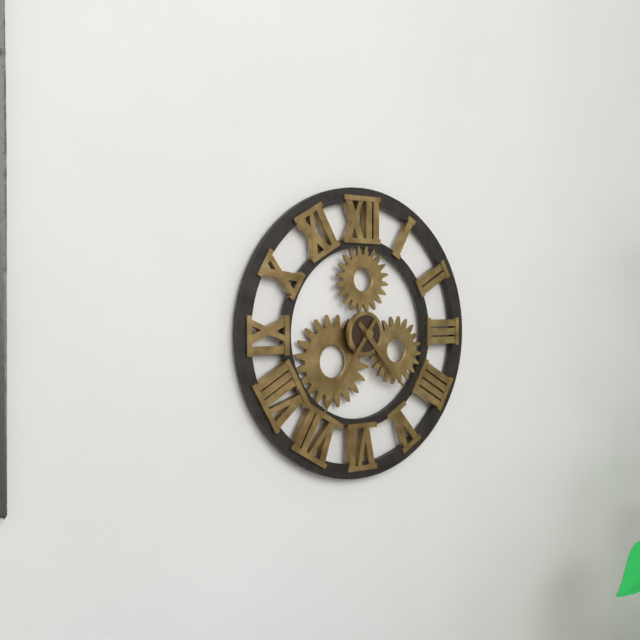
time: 4:36
